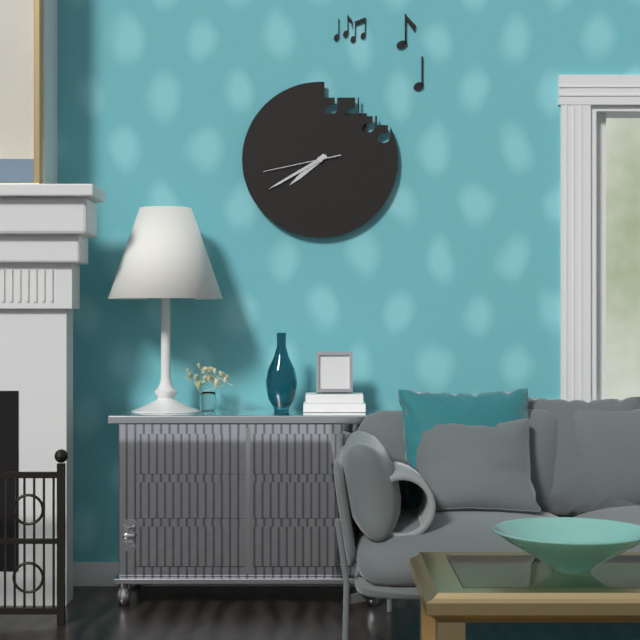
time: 7:40:43
